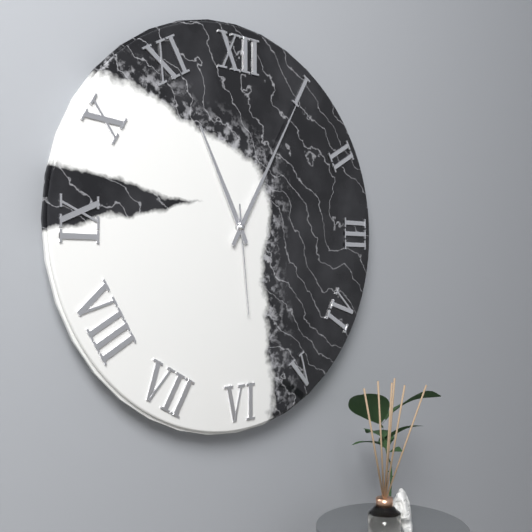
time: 11:05:29
